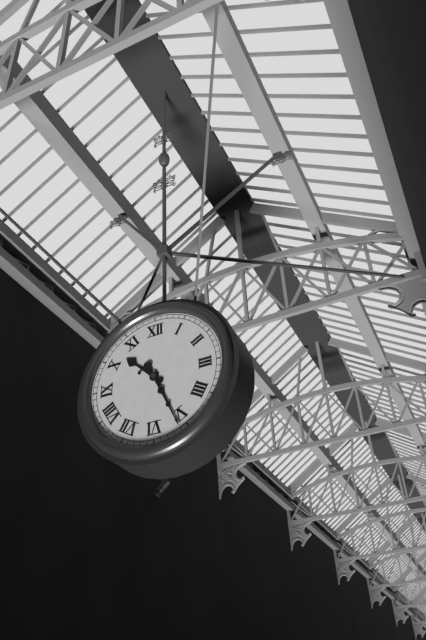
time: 10:26
